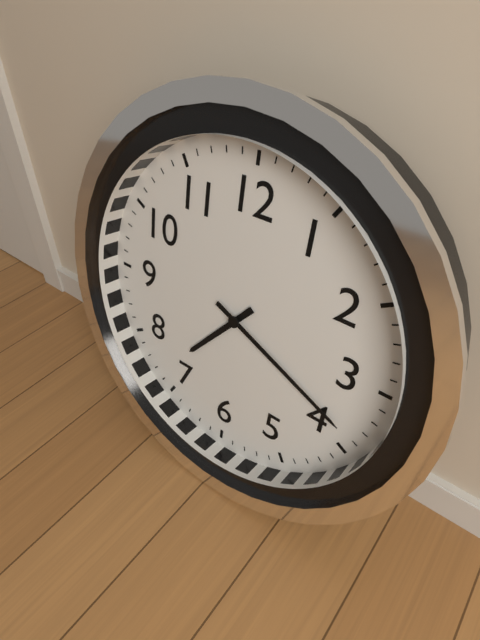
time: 7:19
